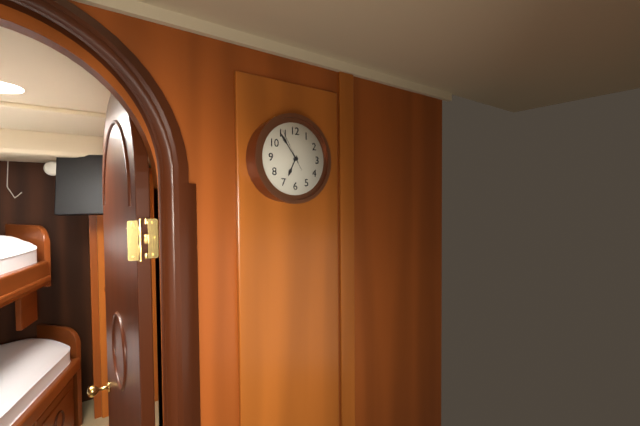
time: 6:54
